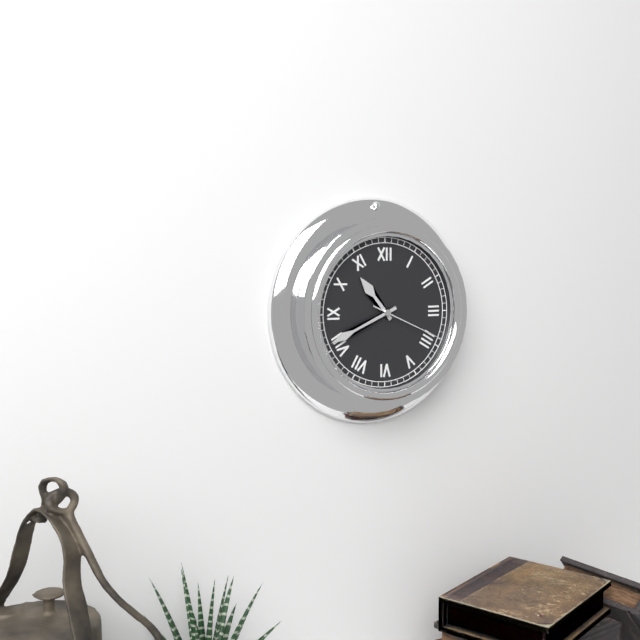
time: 10:41:19
